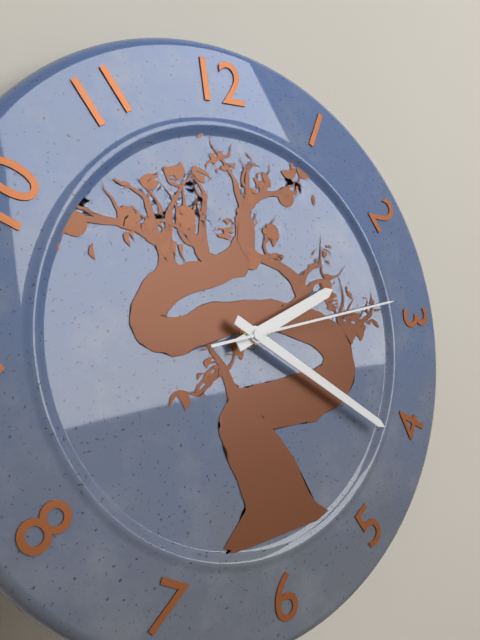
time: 2:21:14
